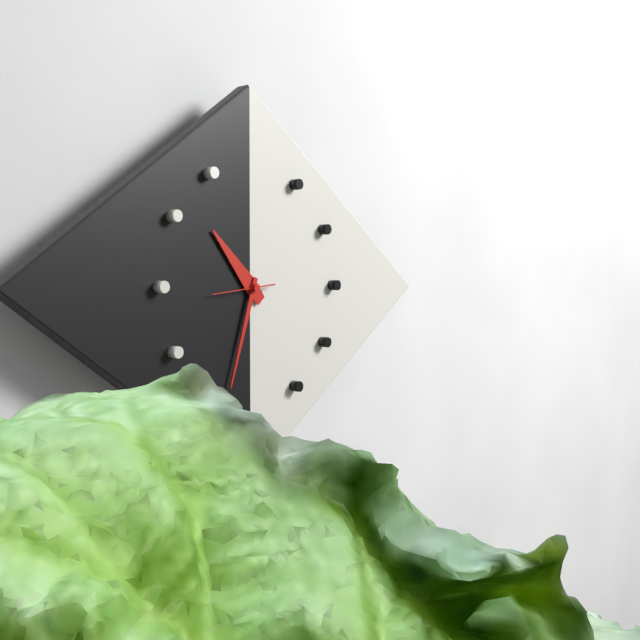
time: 10:33:44
